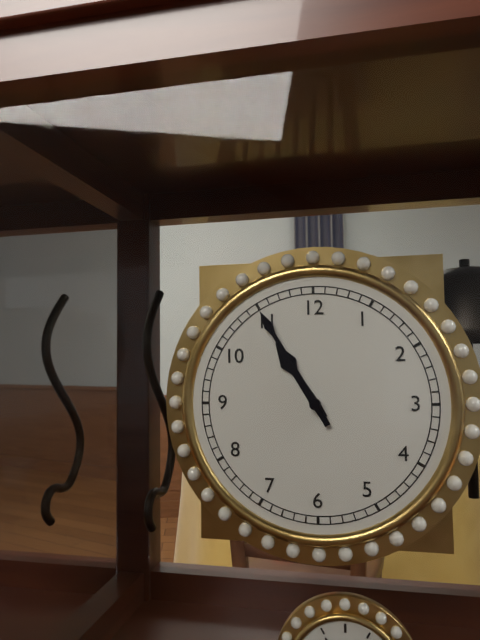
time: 10:55
